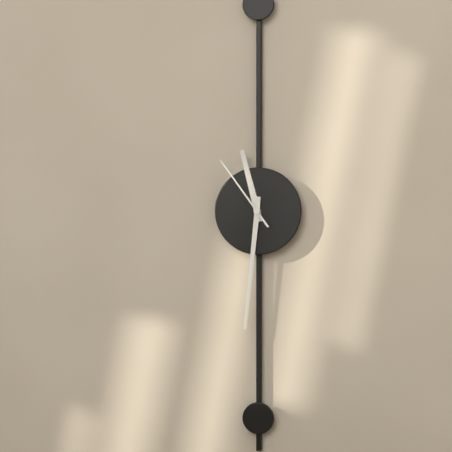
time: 11:31:54
